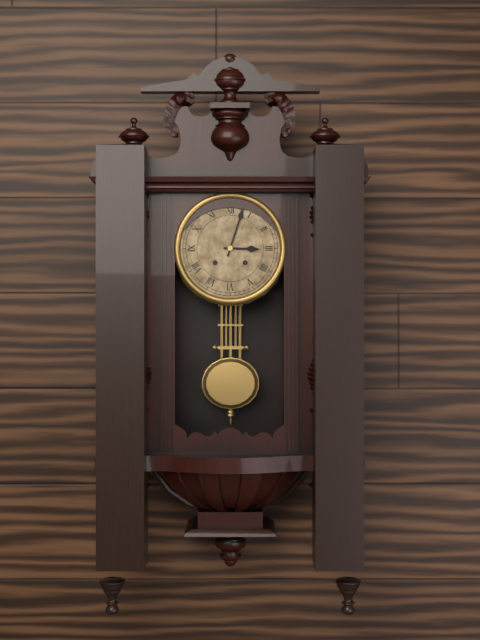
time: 3:03
